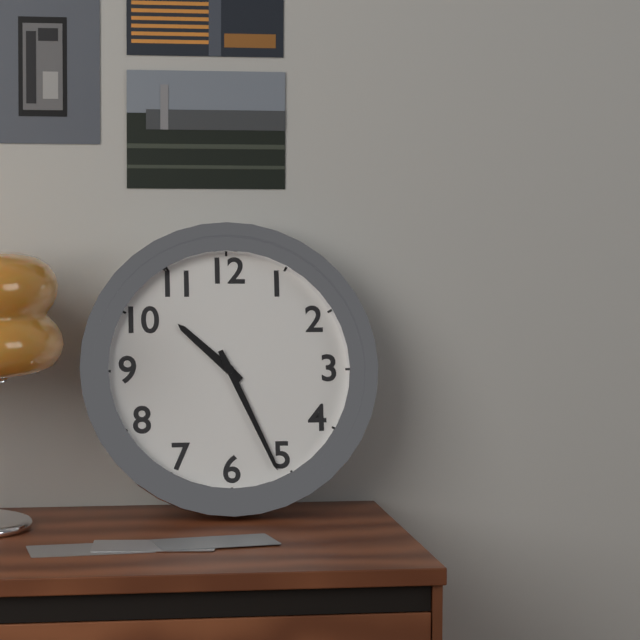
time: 10:26
